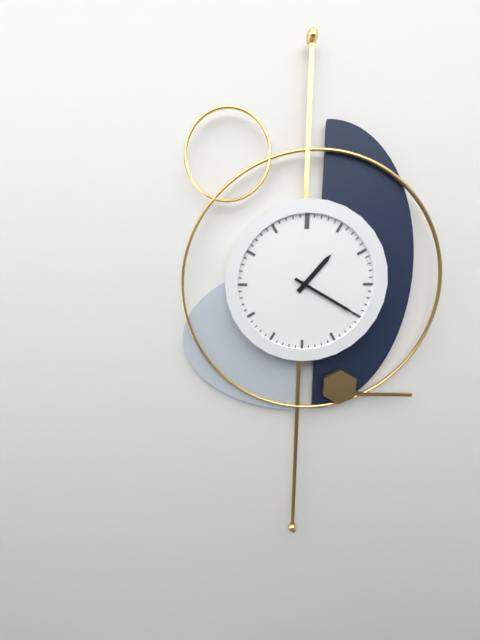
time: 1:20
